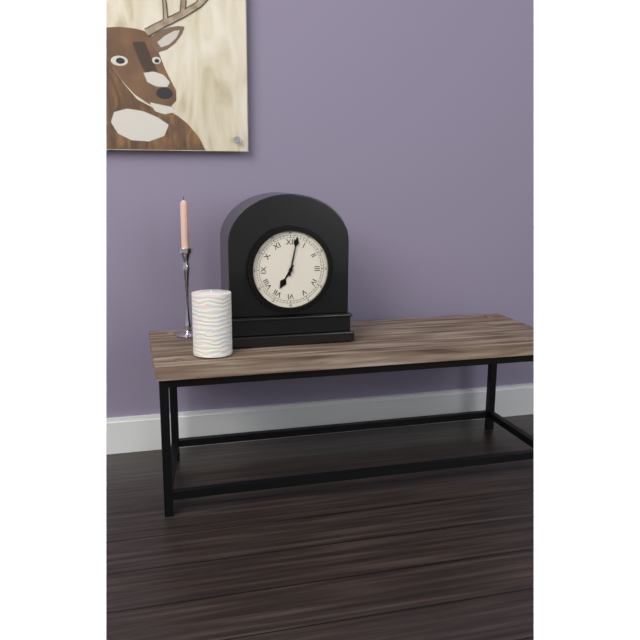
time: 7:02
